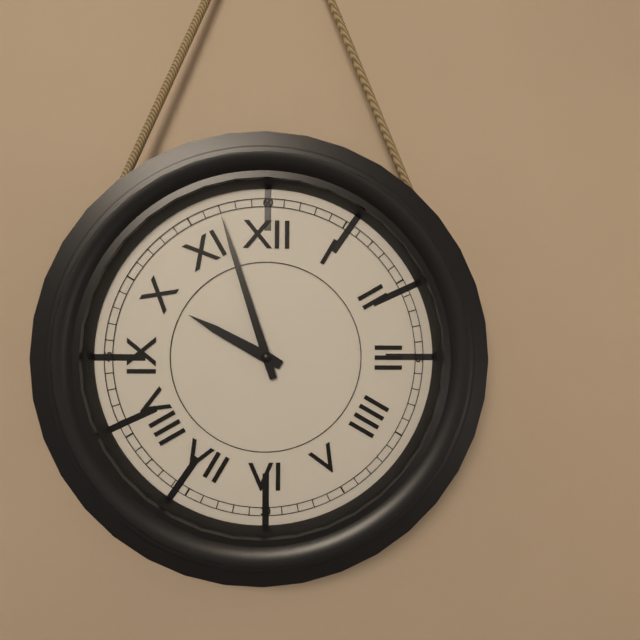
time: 9:57
